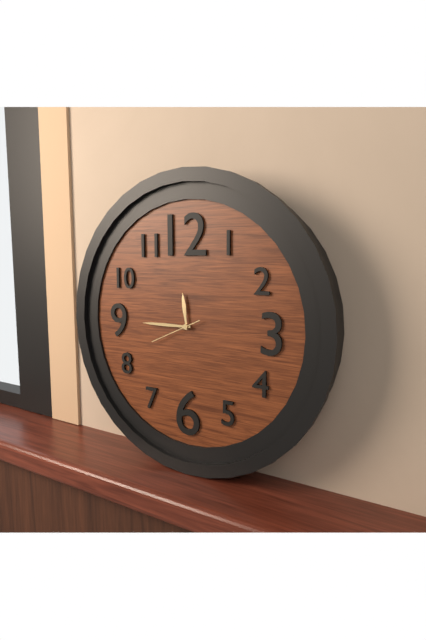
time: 11:45
